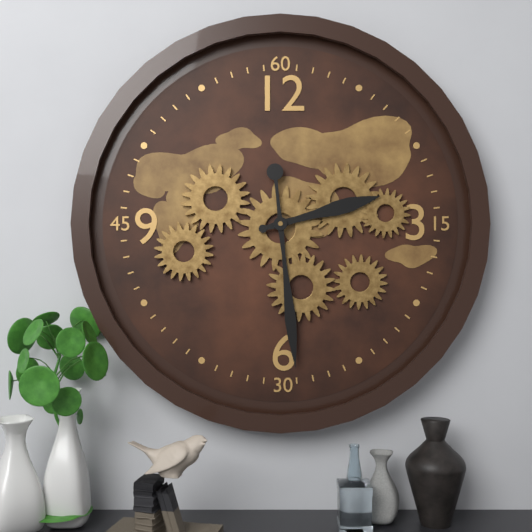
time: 2:29
